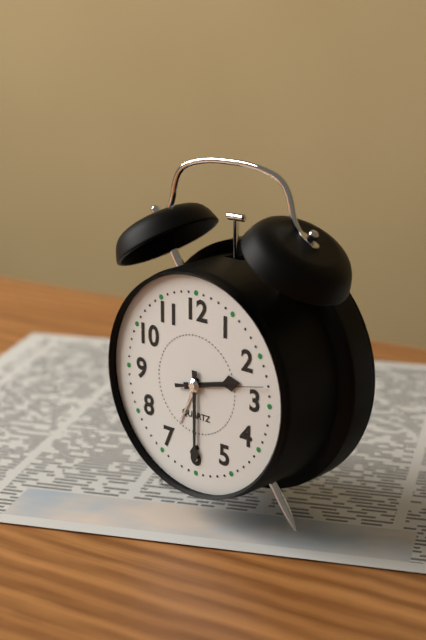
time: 2:30:13
